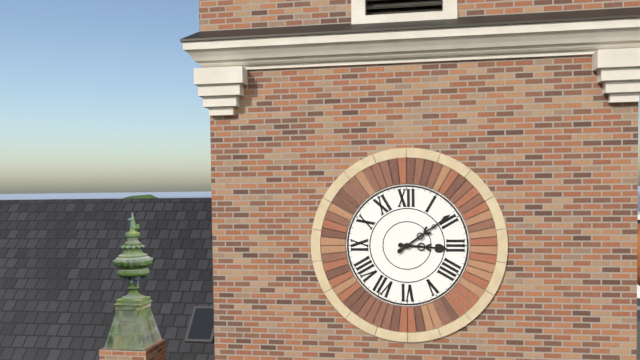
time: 3:09
